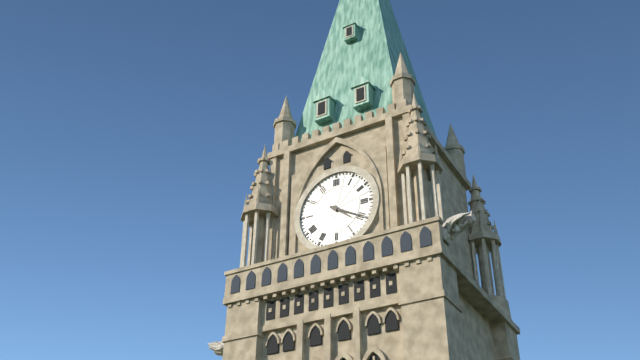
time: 4:20
